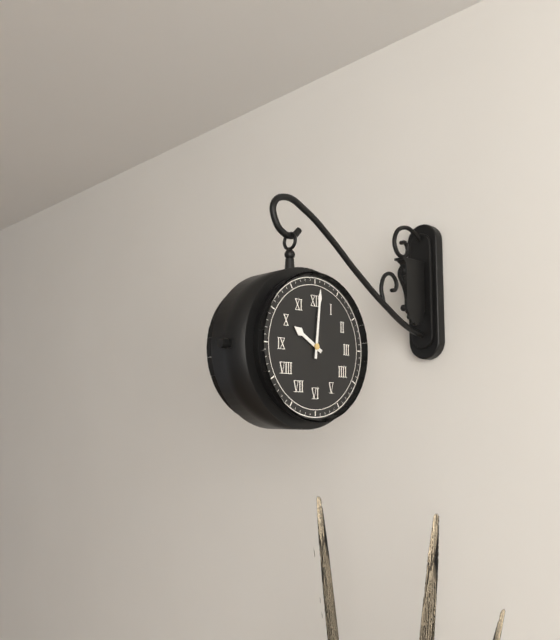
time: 10:01
